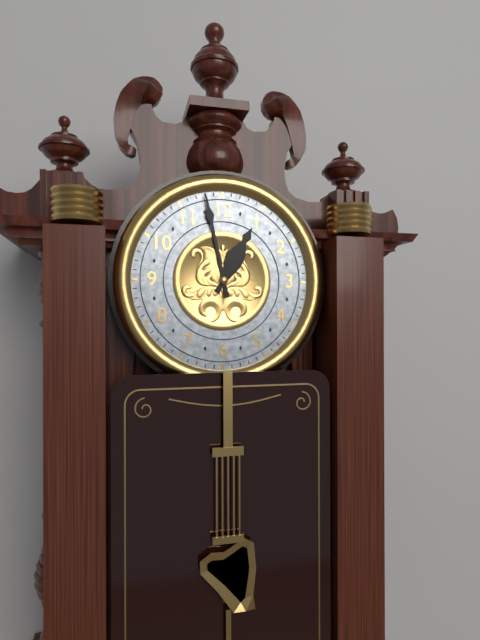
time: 12:58
